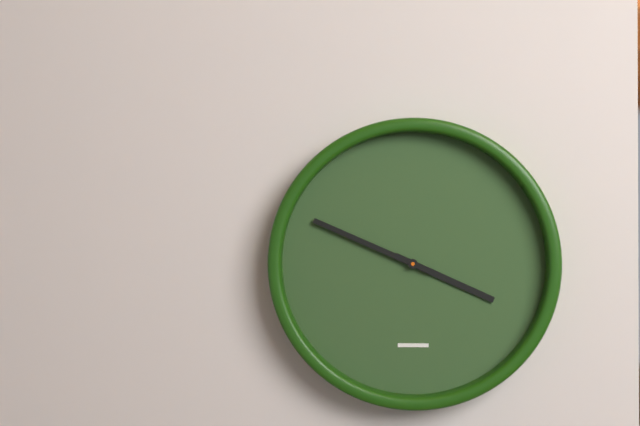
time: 3:49
